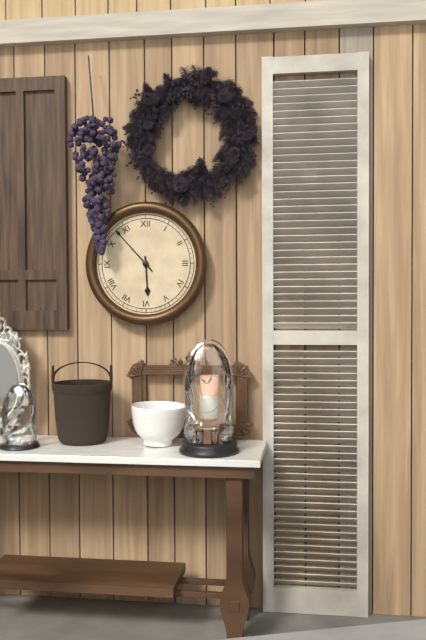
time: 5:53
